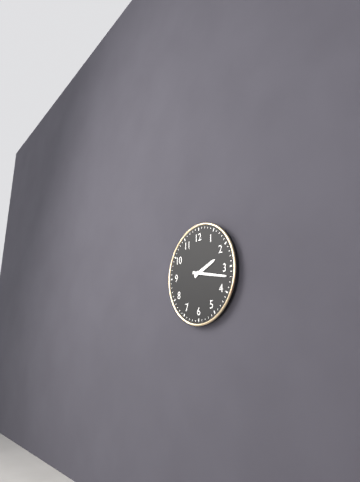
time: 2:17
